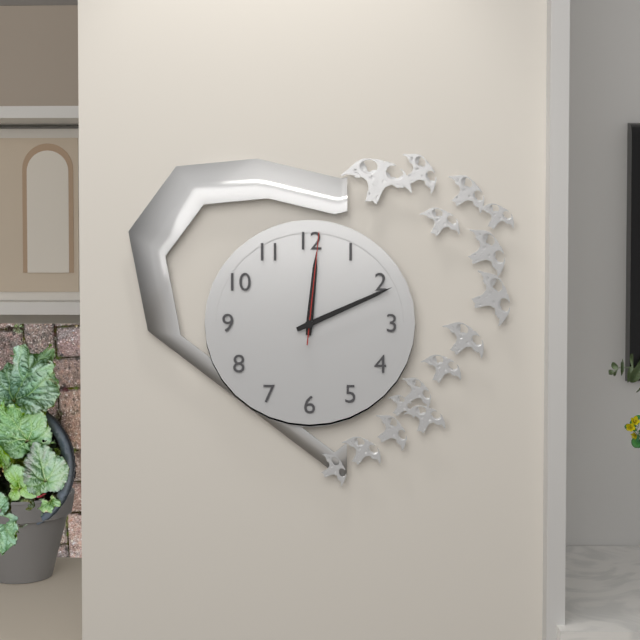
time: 12:11:01
